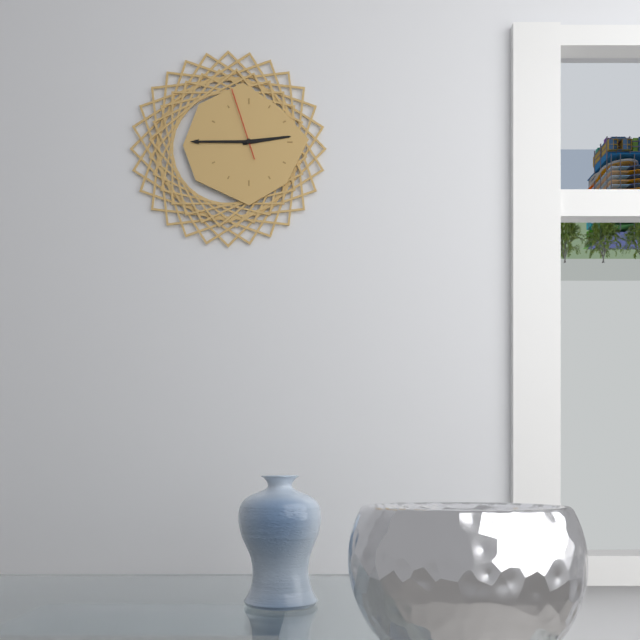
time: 2:45:57
